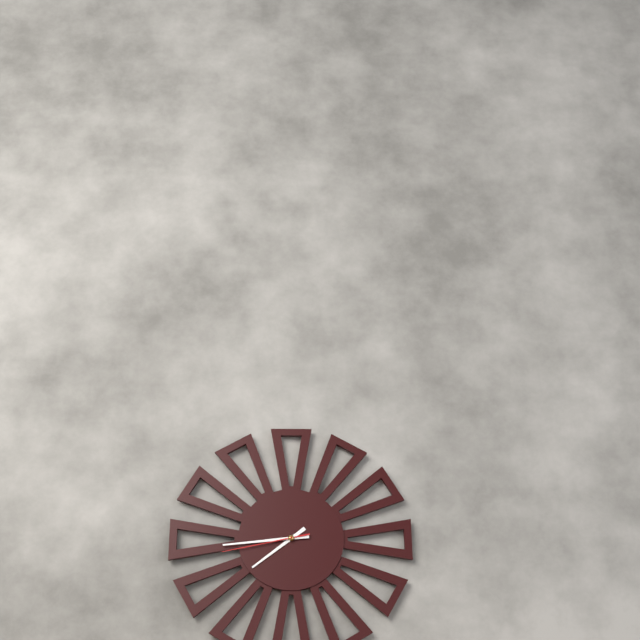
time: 7:44:43
